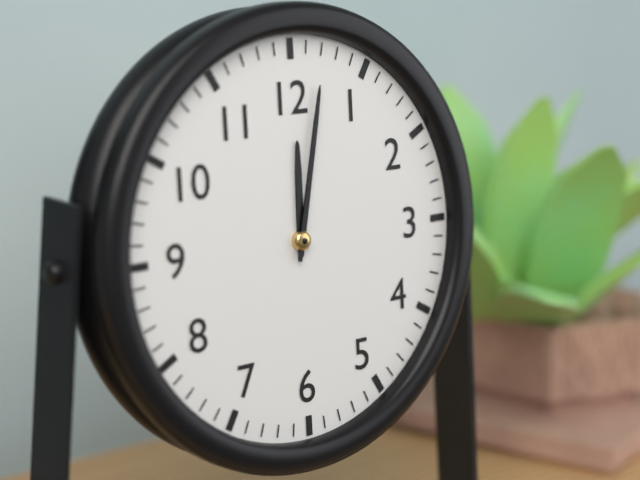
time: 12:02
